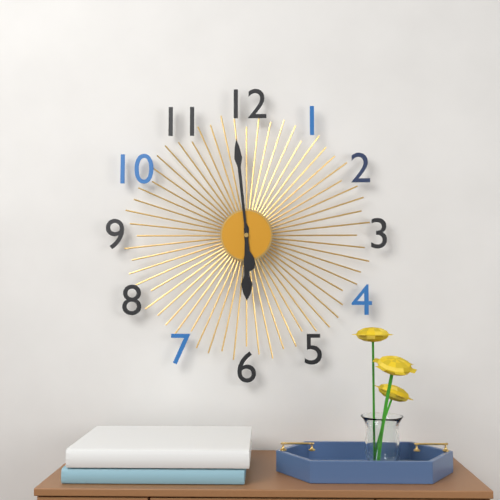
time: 5:59
